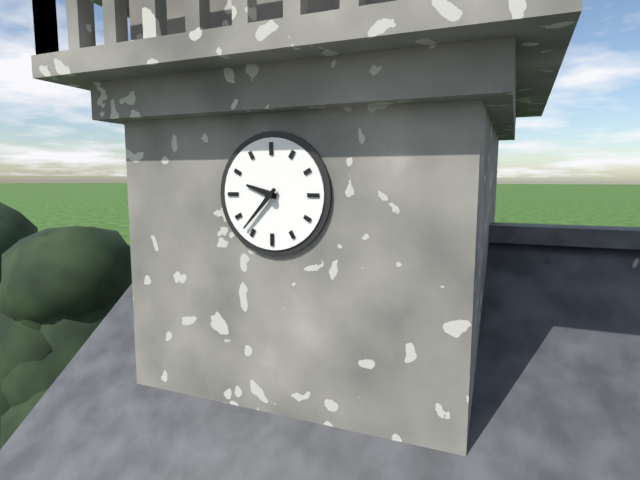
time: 9:37
